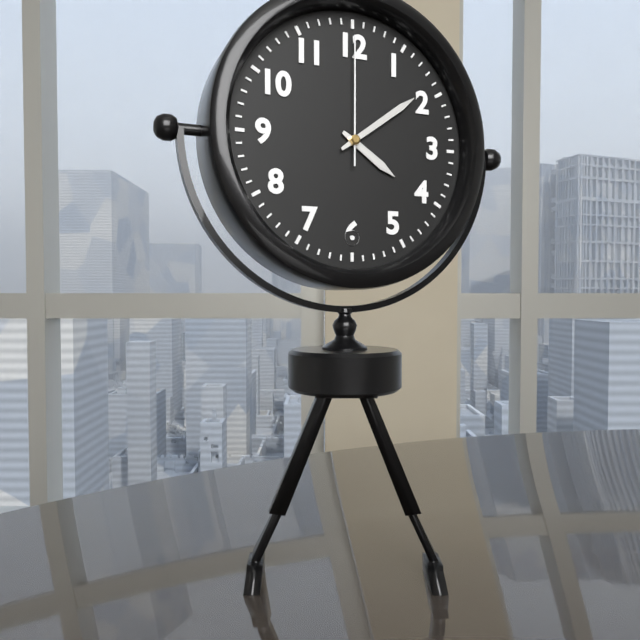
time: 4:09:00
